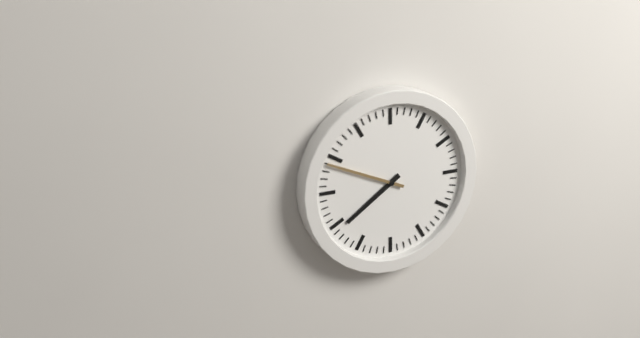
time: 7:49
